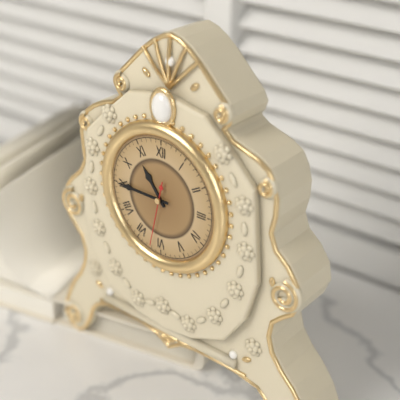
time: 10:45:32
